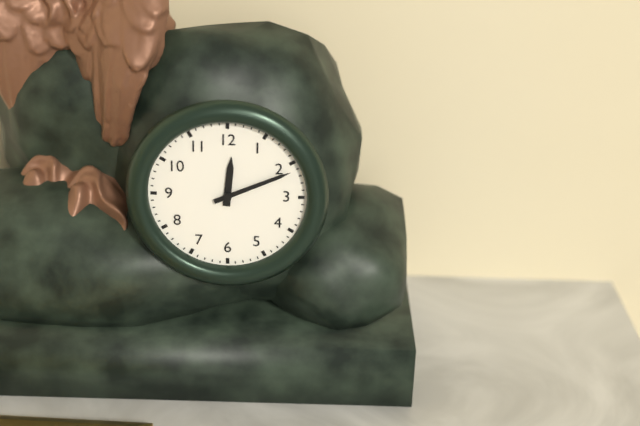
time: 12:11
